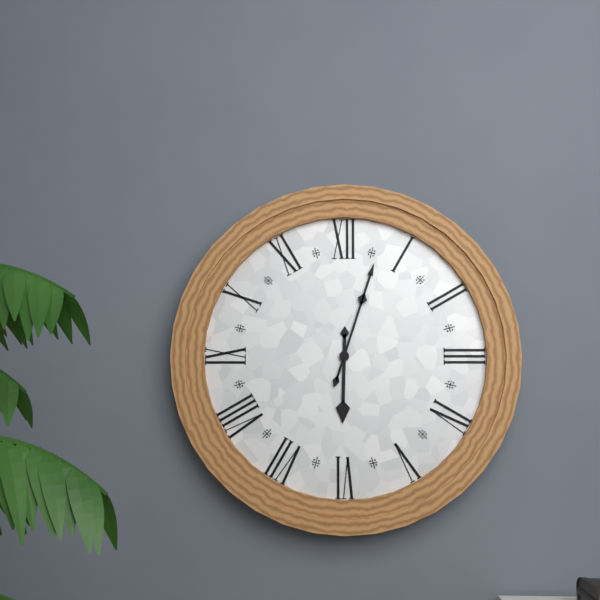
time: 6:03
